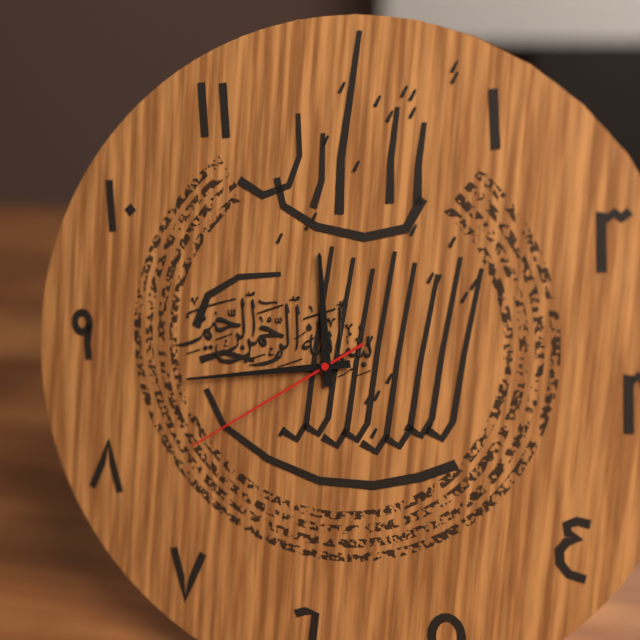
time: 11:43:39
